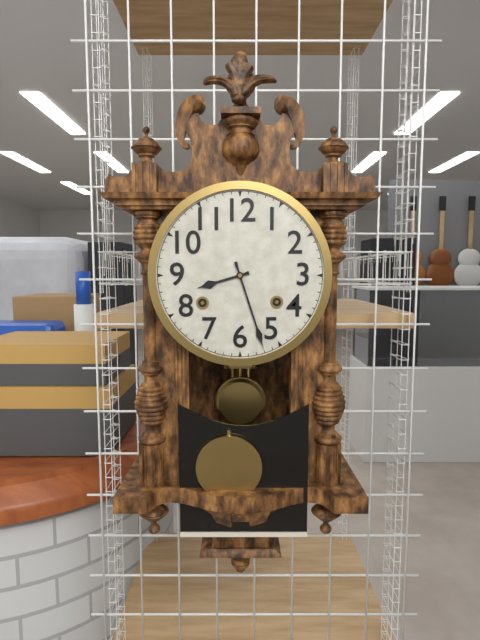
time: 8:27
